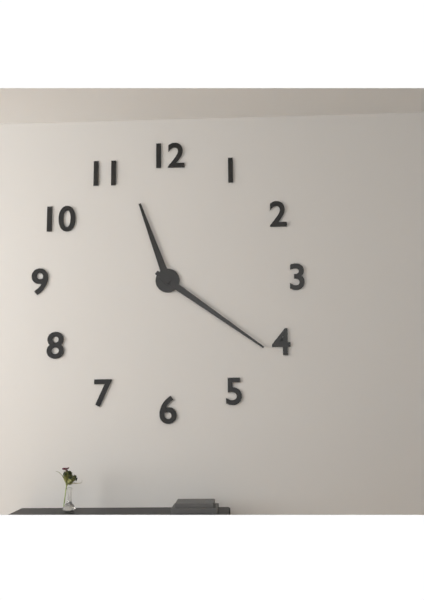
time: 11:21
